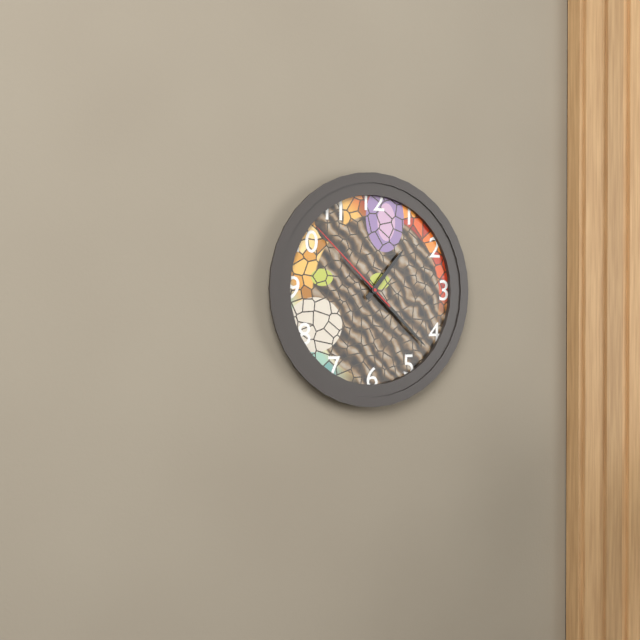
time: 1:22:52
